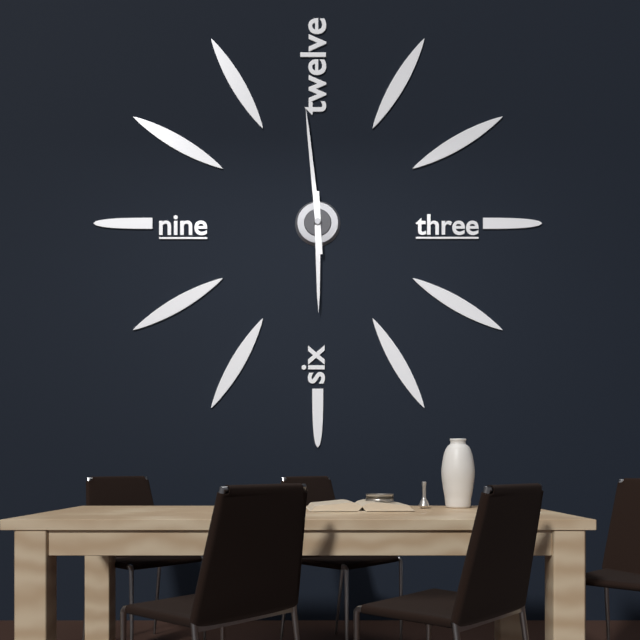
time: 5:59
